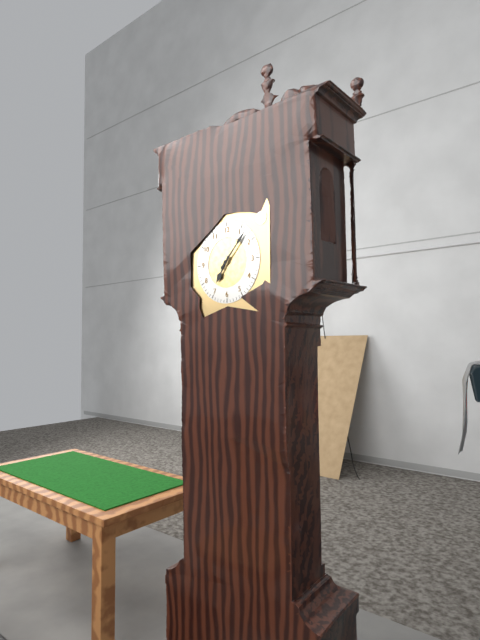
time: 7:07
